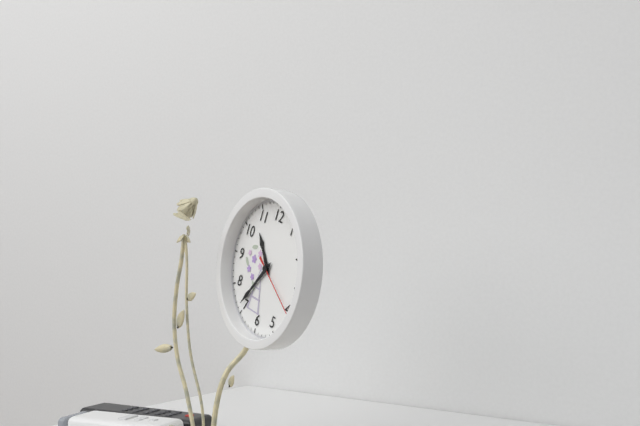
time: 10:36:20
